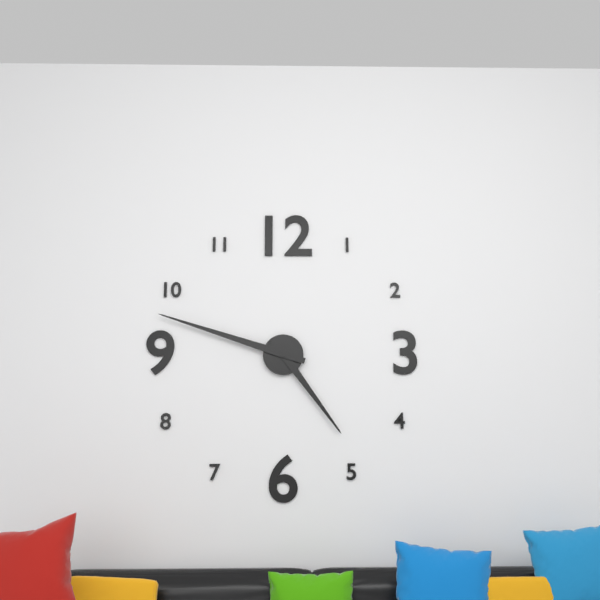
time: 4:48
